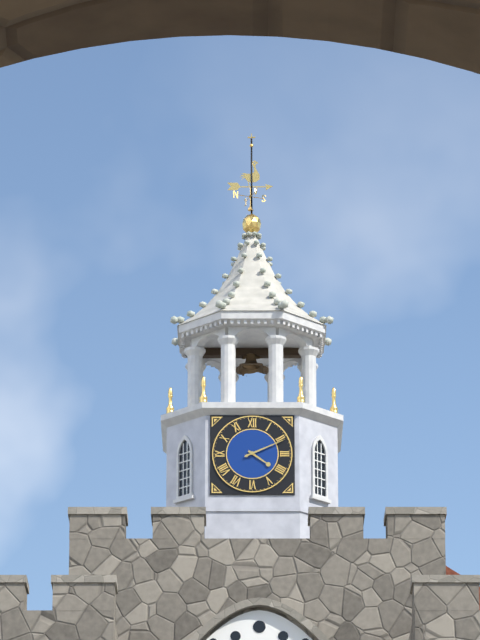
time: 4:11
